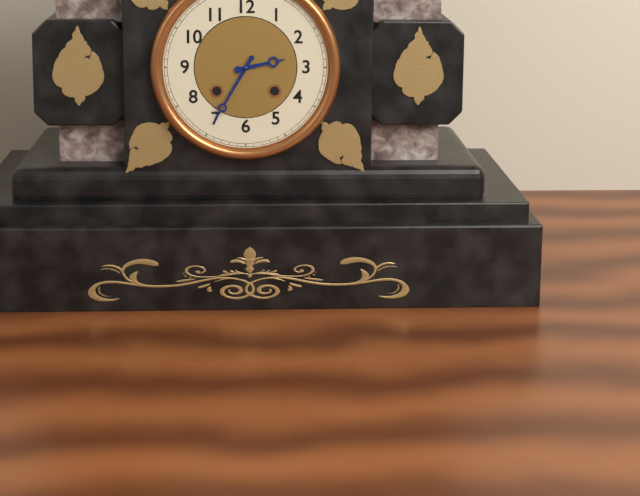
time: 2:35
